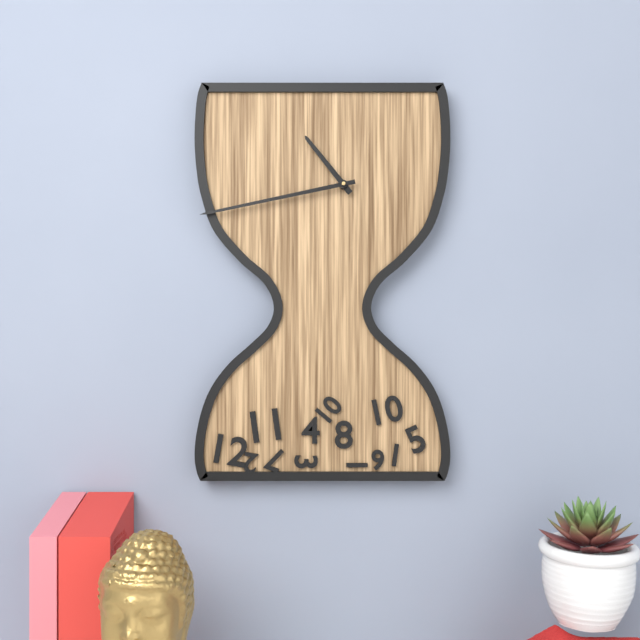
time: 10:43
